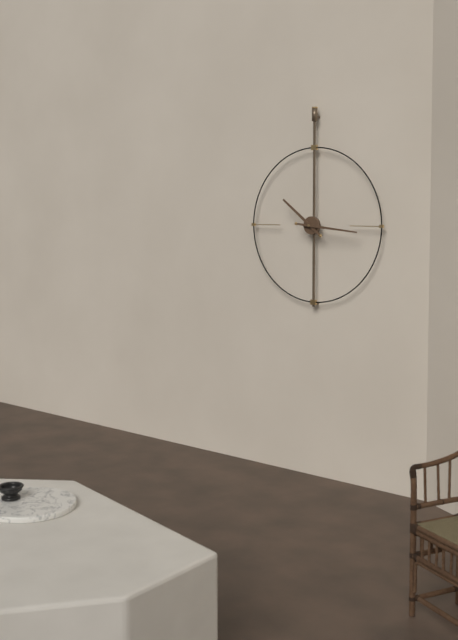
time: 10:16
